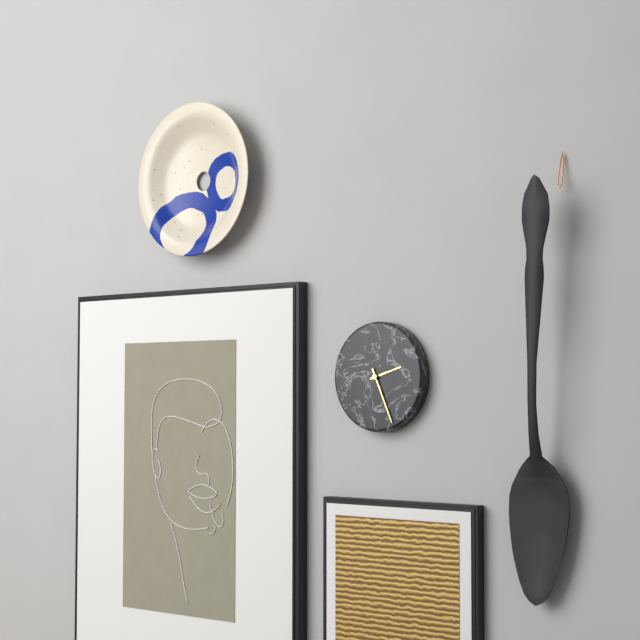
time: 2:26
